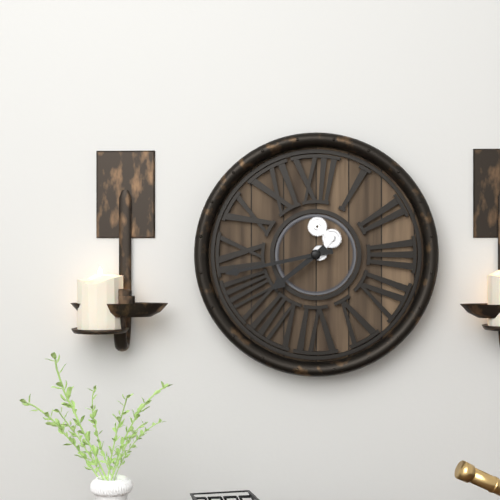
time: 7:43
